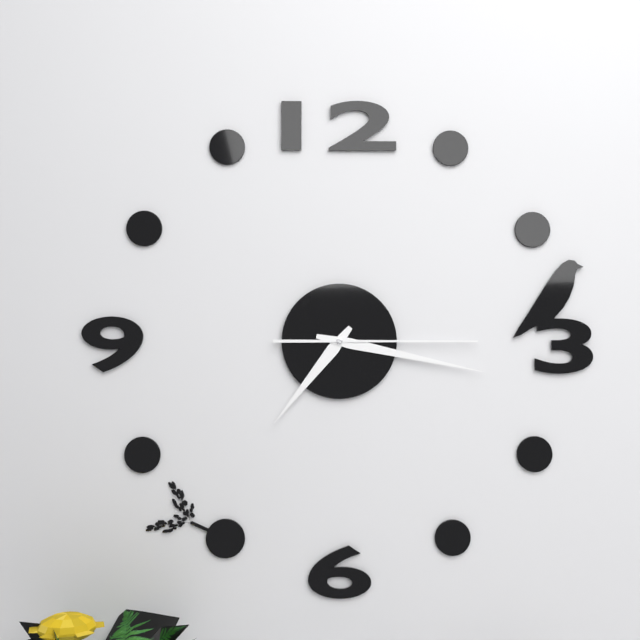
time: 7:17:15
